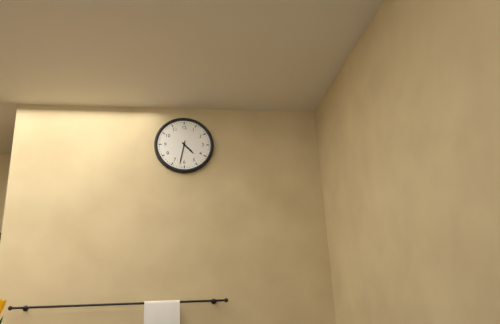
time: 4:32
